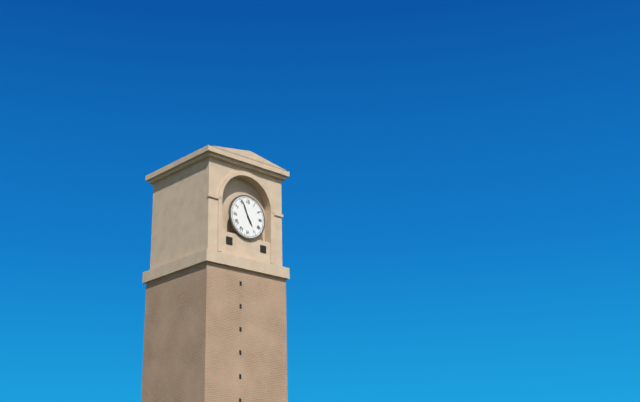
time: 4:56
